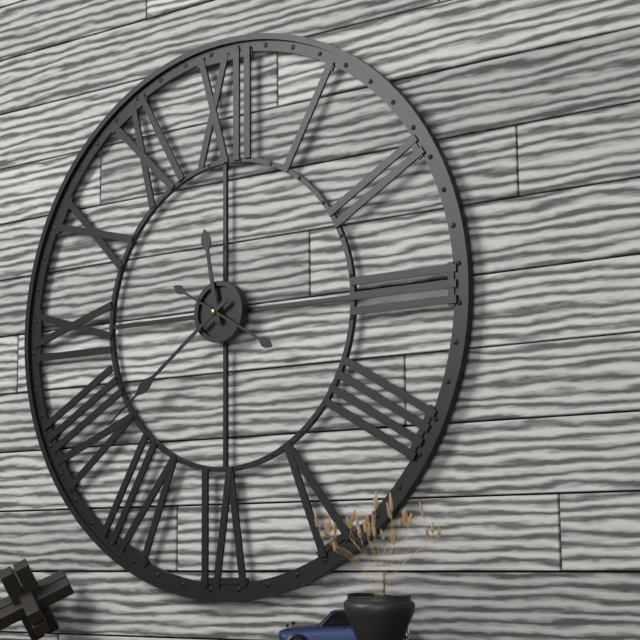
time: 11:39:20
